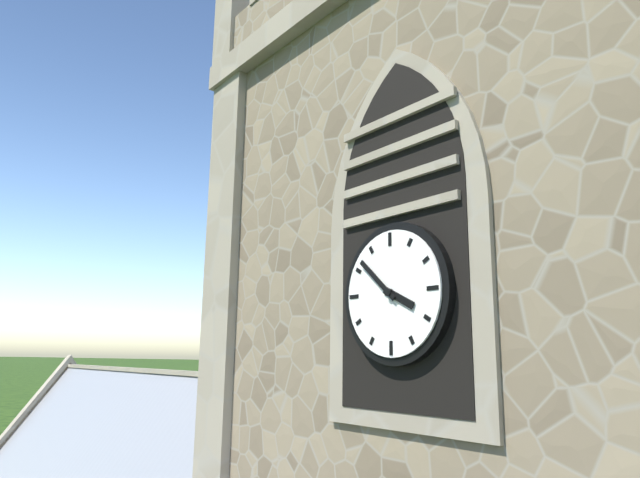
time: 3:52
